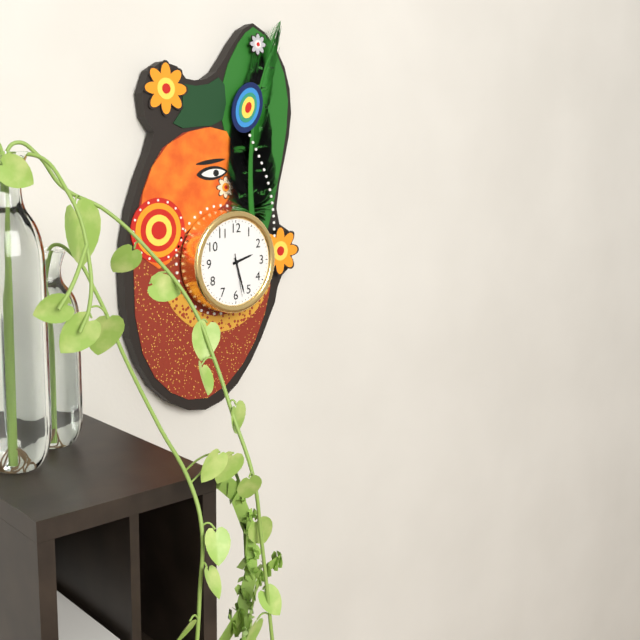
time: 2:27
